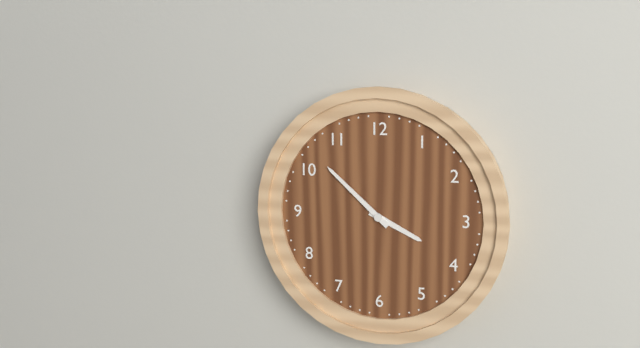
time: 3:52
